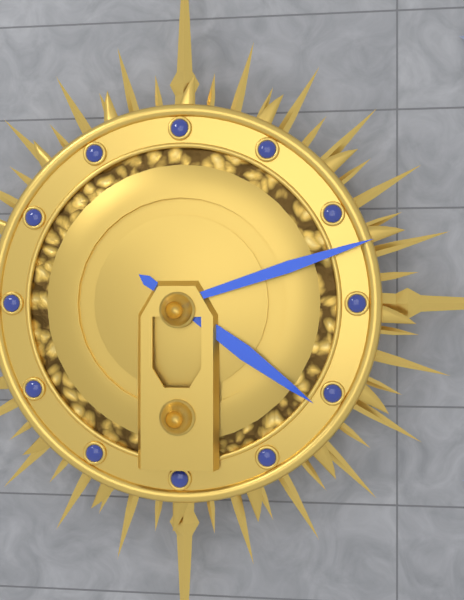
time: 4:12
